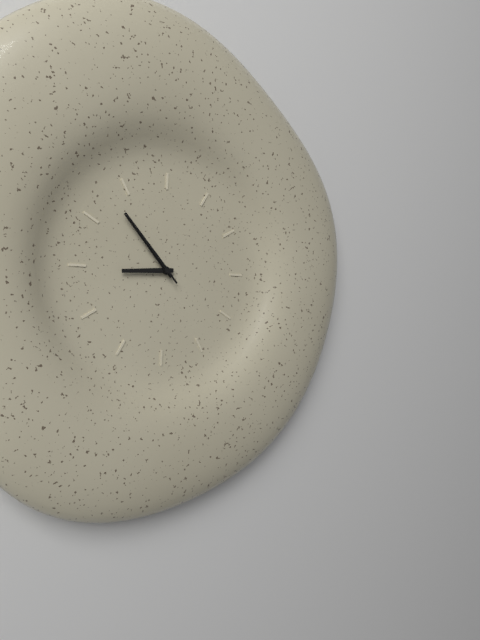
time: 8:53:53
